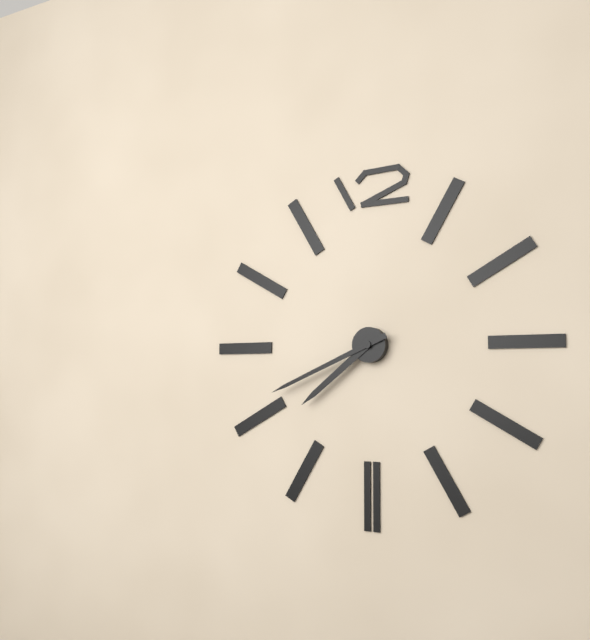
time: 7:41
